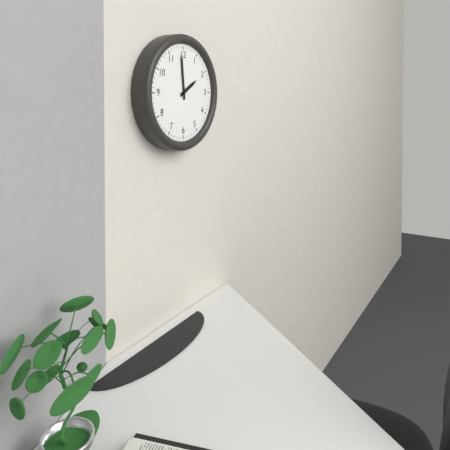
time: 1:59
